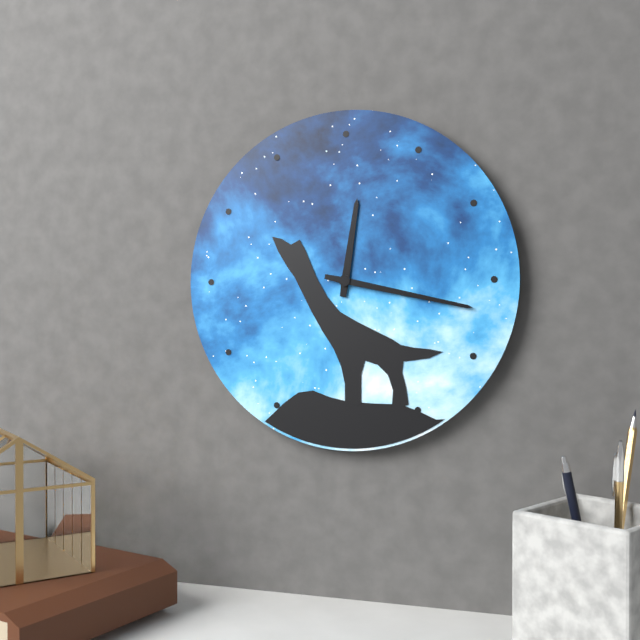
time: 12:17
